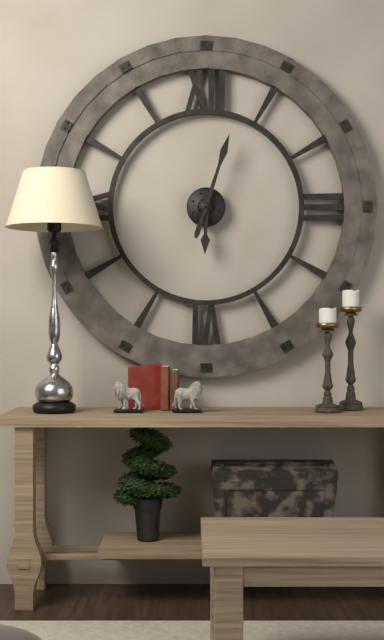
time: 6:03
